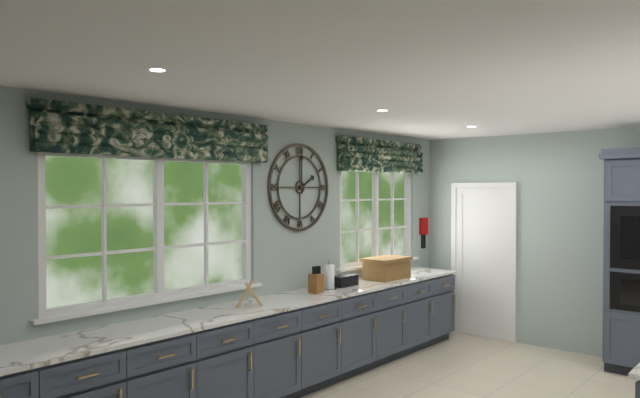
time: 2:00
